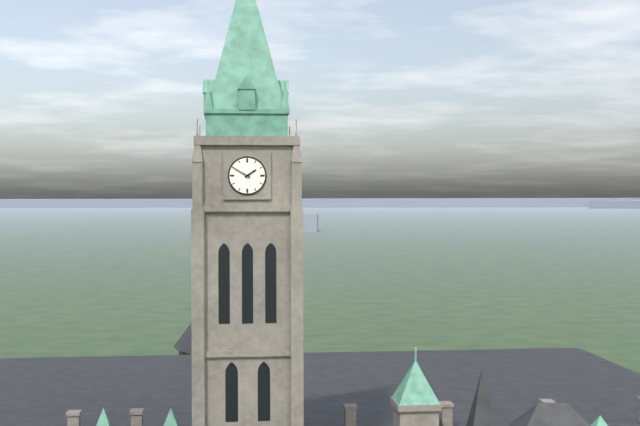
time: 1:50
